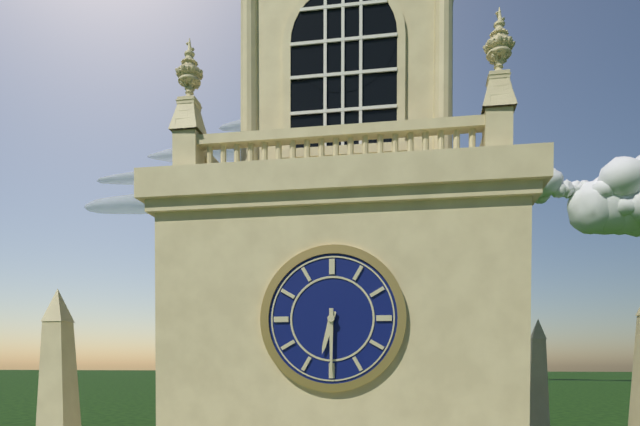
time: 6:30
